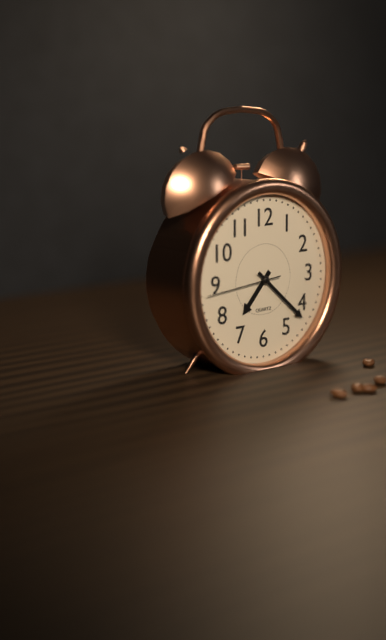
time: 7:22:44
